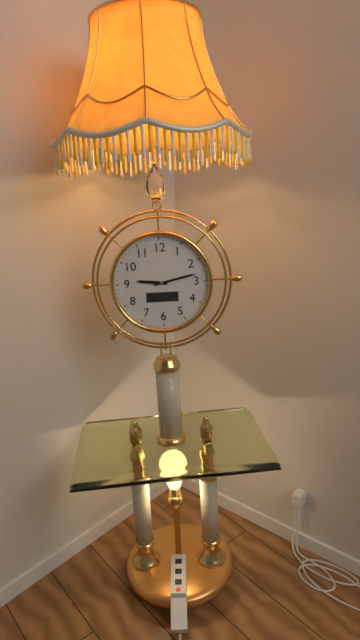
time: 9:13
